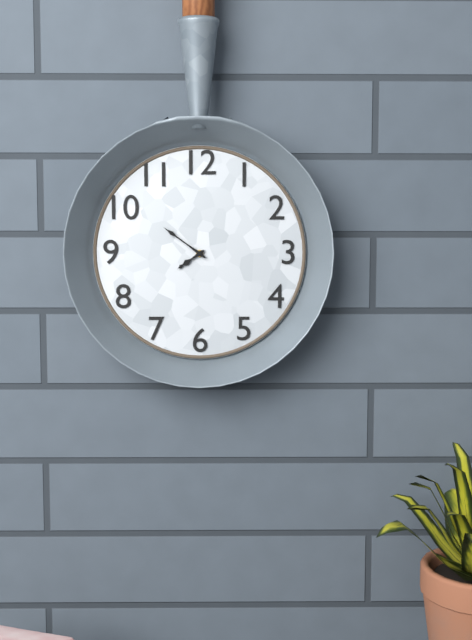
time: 7:51
